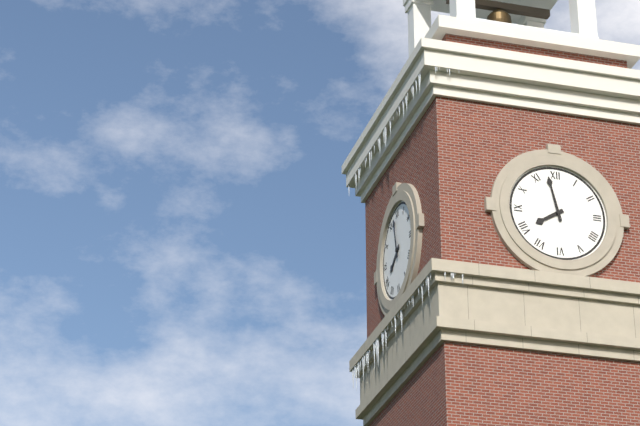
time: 7:58
